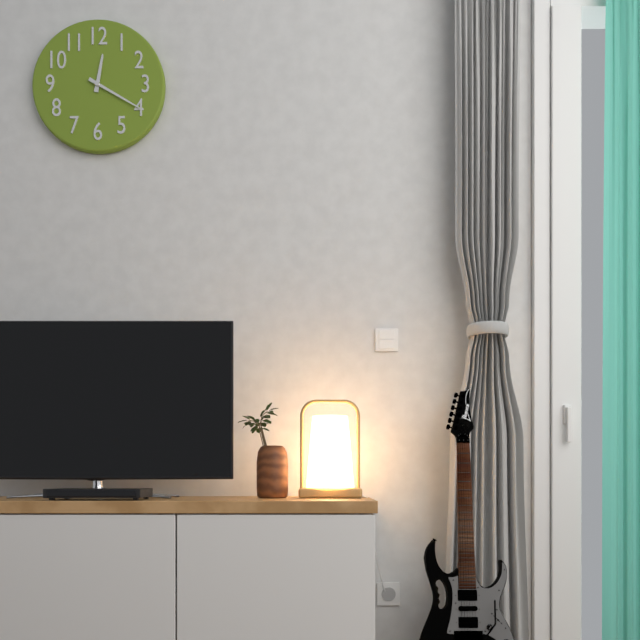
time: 12:20
